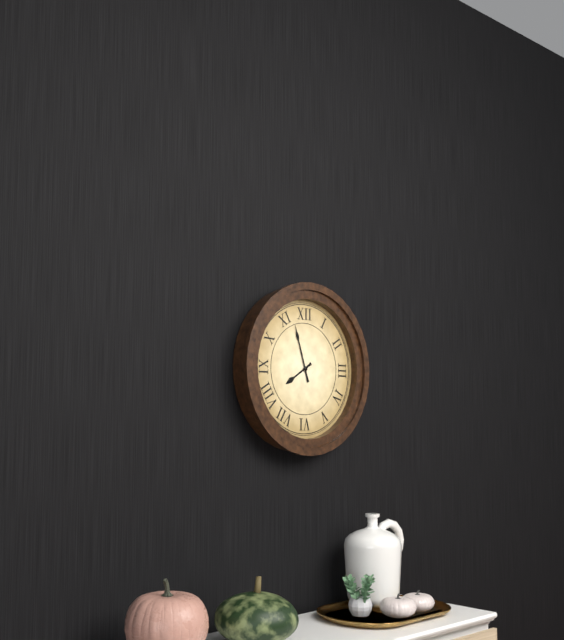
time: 7:57
